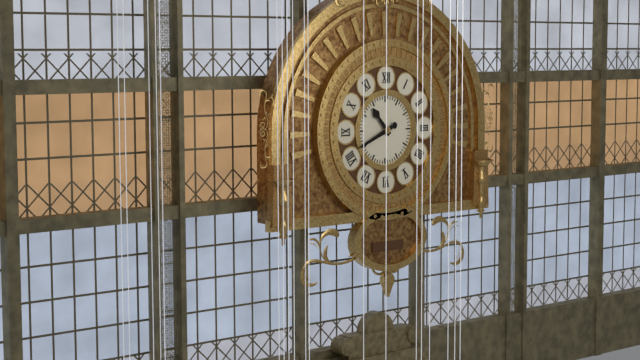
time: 10:41
